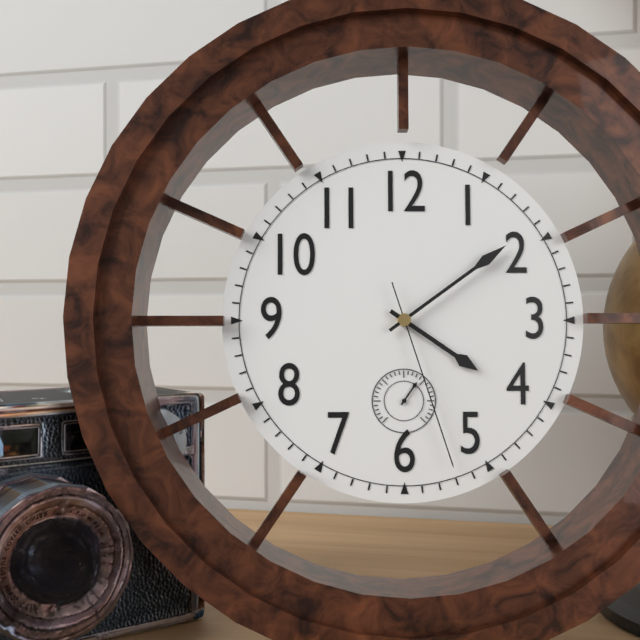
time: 4:09:27
